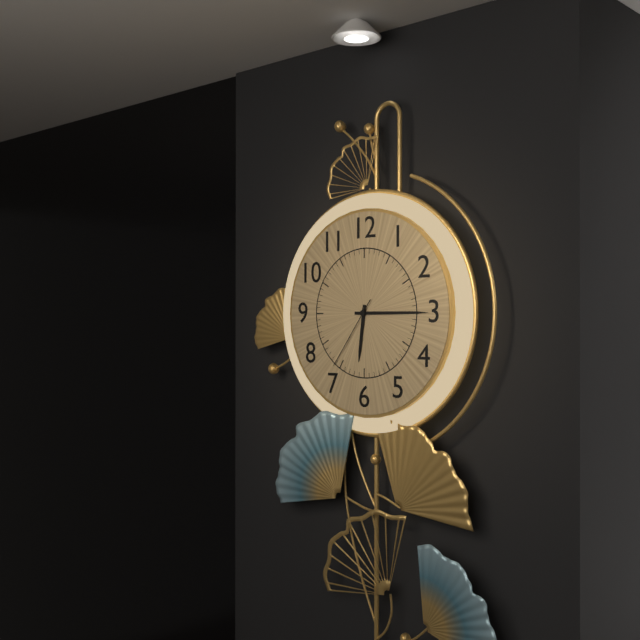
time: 6:15:36
